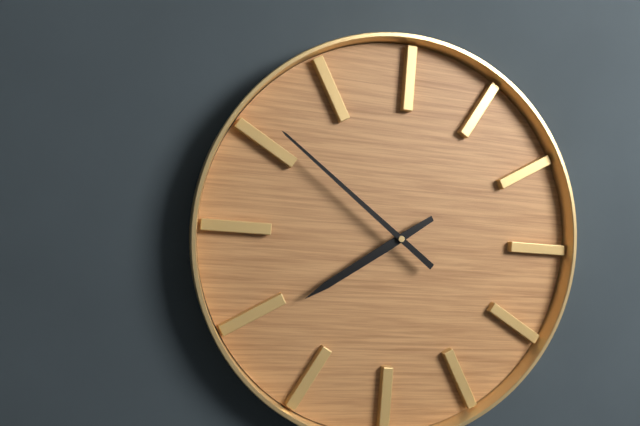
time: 7:51
